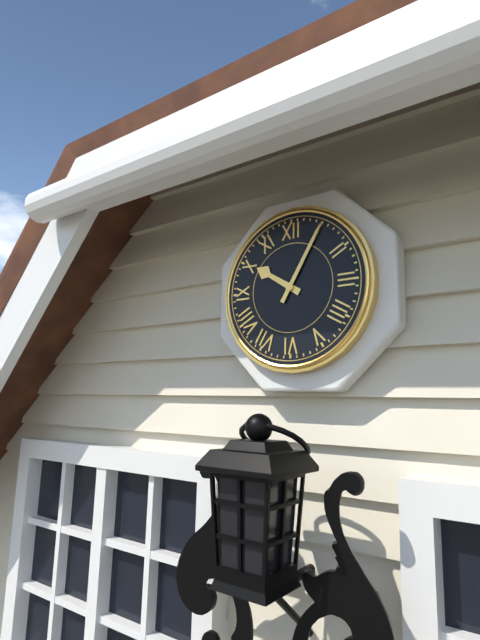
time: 10:05
